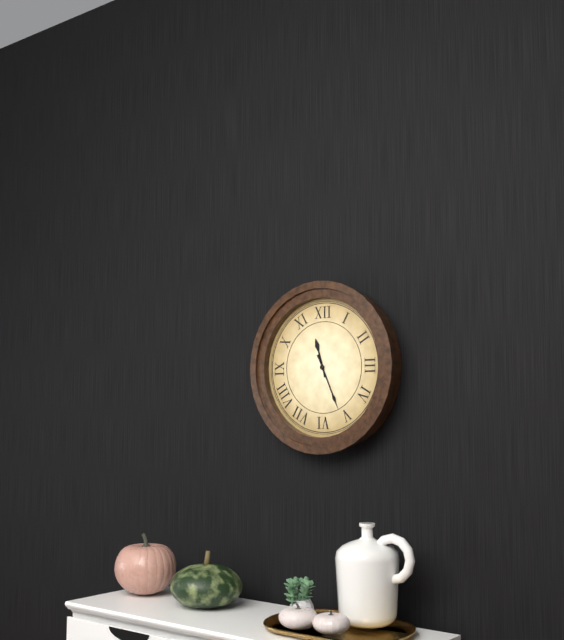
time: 11:26
